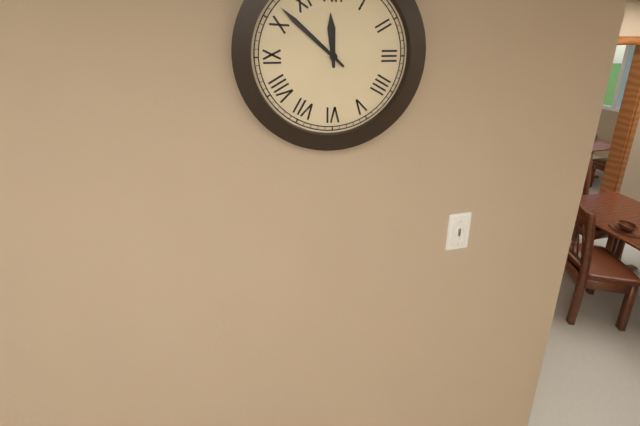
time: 11:52
